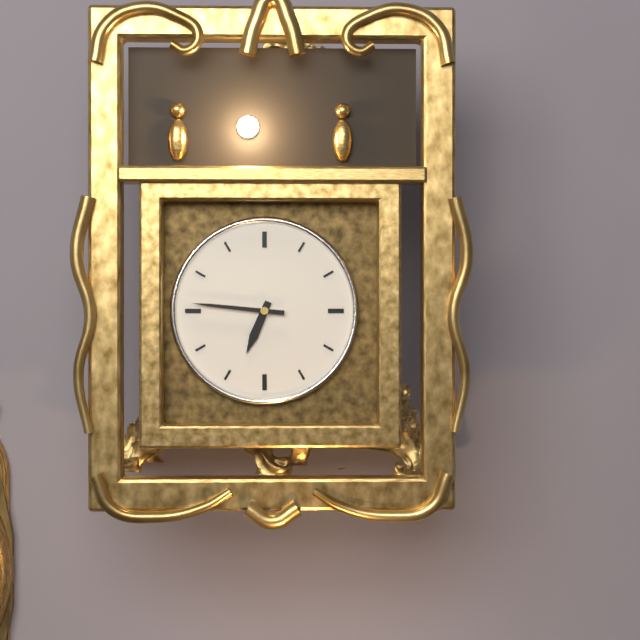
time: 6:46
